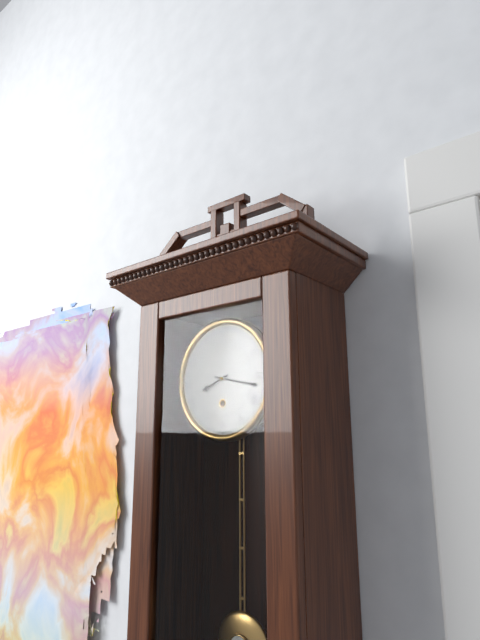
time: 8:17
